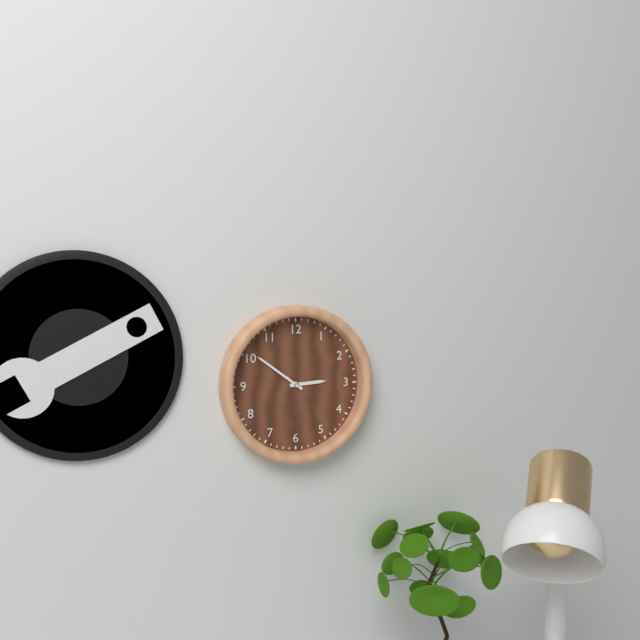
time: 2:51
